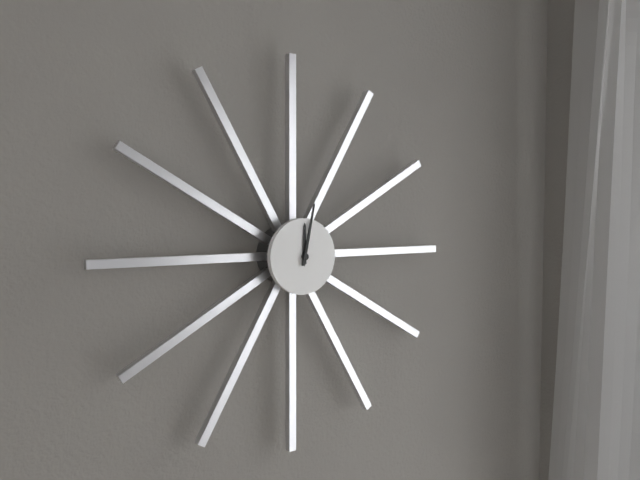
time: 12:02
